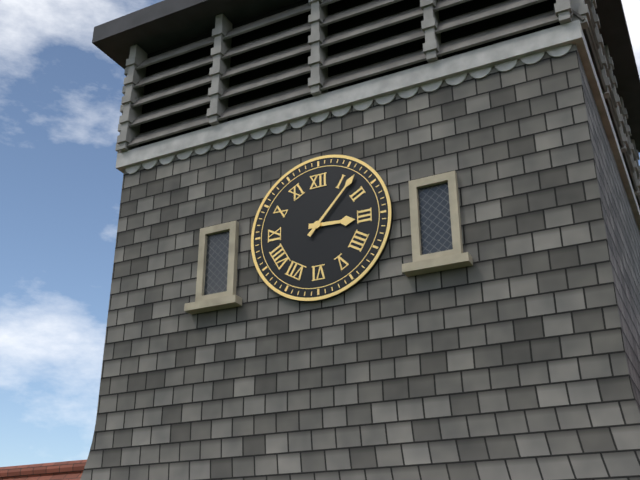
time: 3:07
